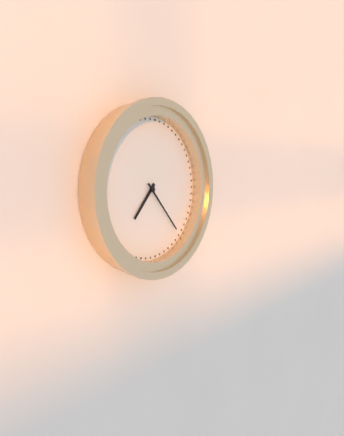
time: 7:23
